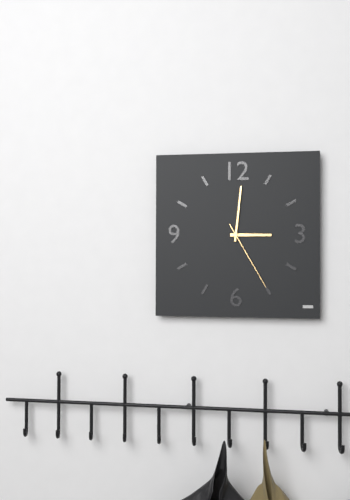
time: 3:01:25
